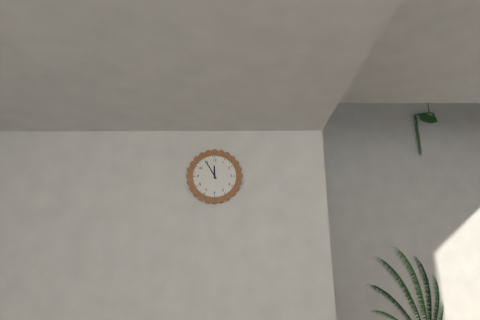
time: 11:55
